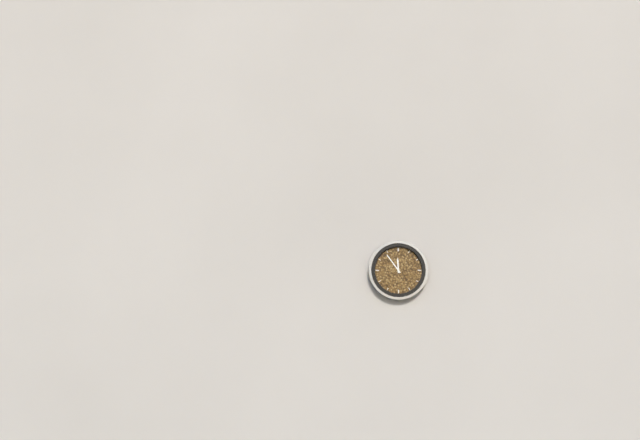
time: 11:54
